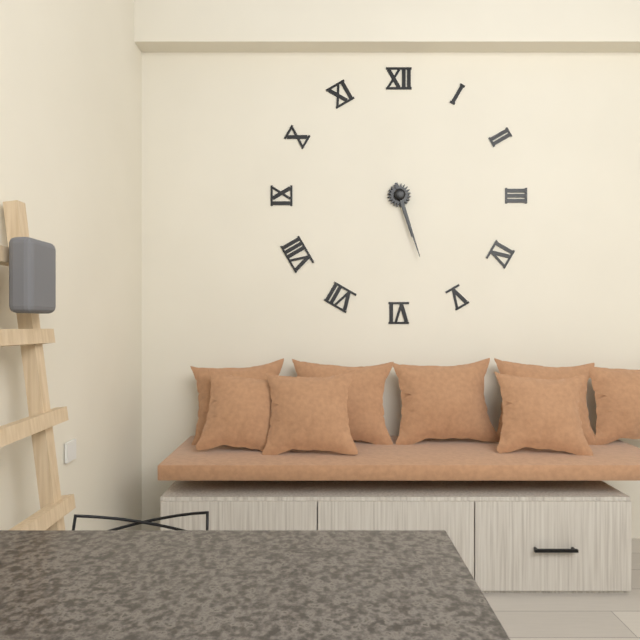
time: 5:27
